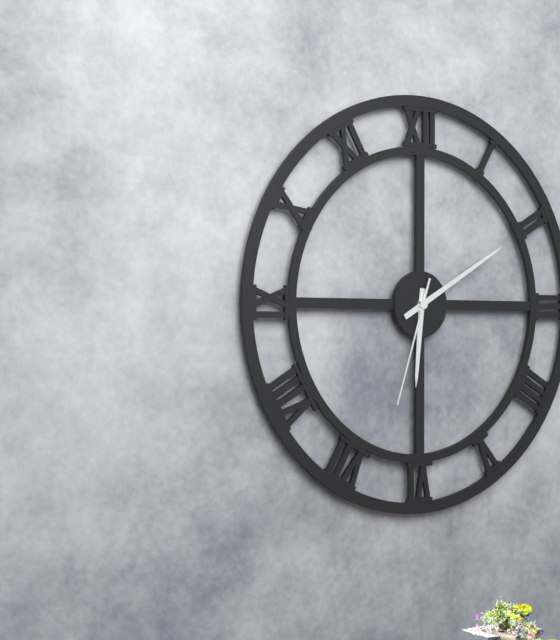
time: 6:10:33
